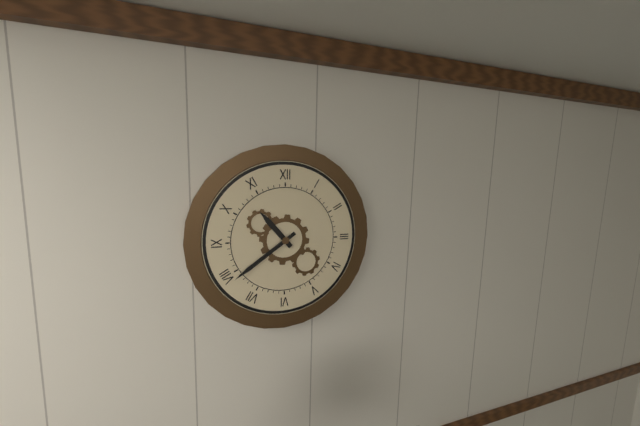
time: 10:39
